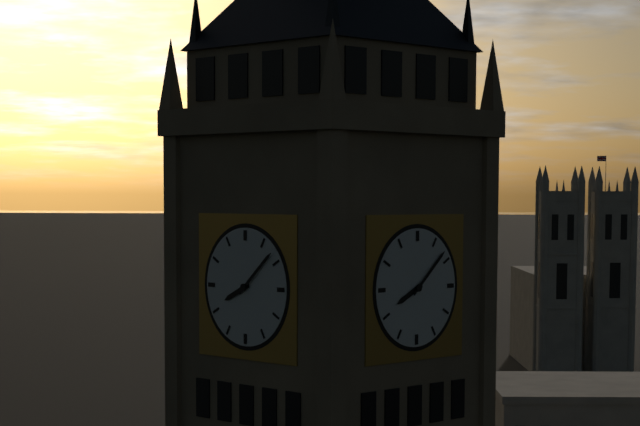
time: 8:08
